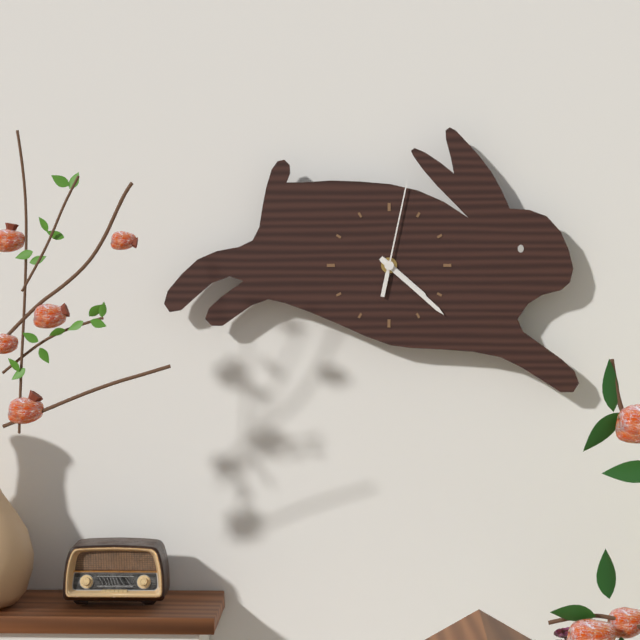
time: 4:22:02
